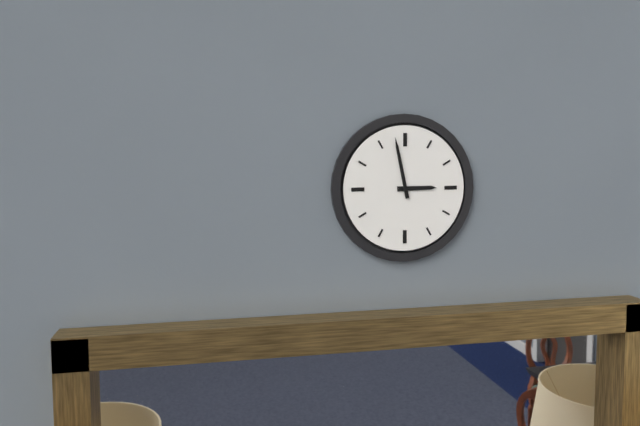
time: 2:58
